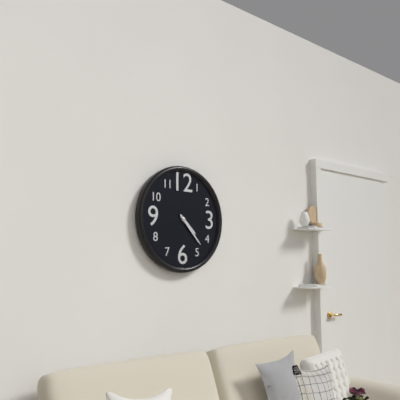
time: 4:23
